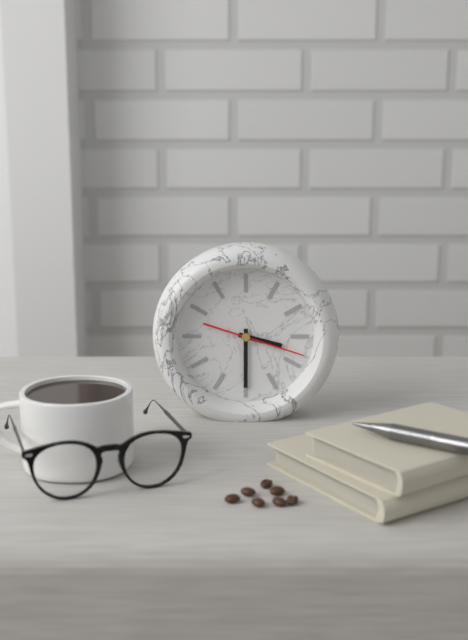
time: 3:30:18
